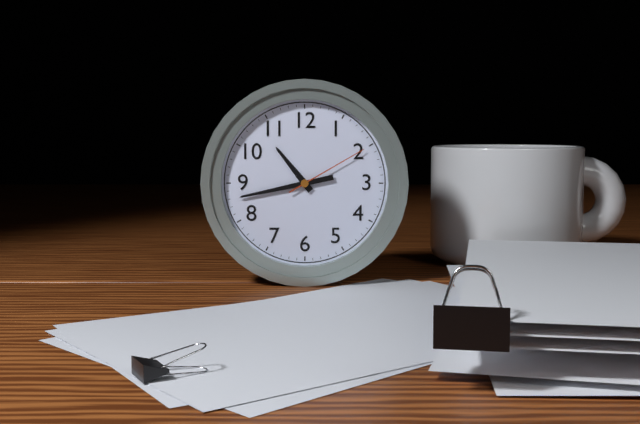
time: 10:43:10
